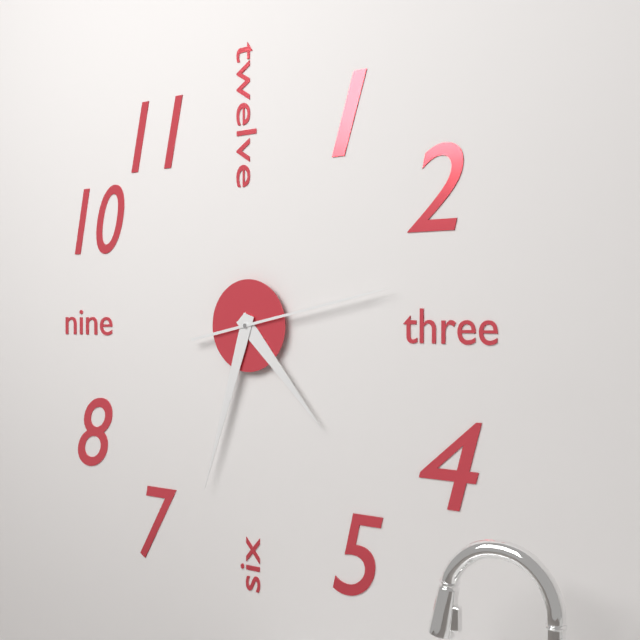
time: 4:33:13
